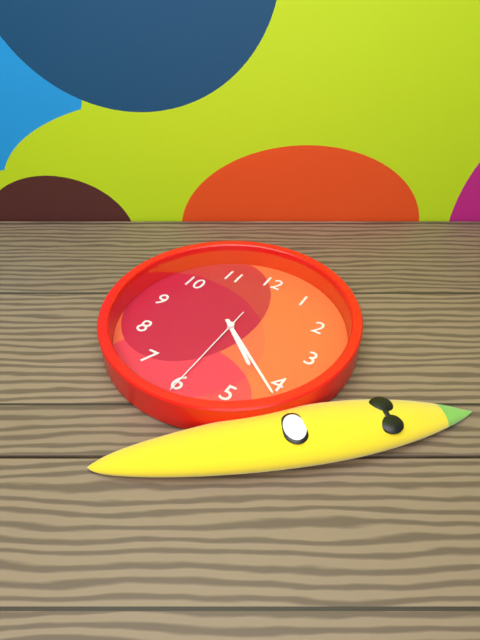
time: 4:21:30
